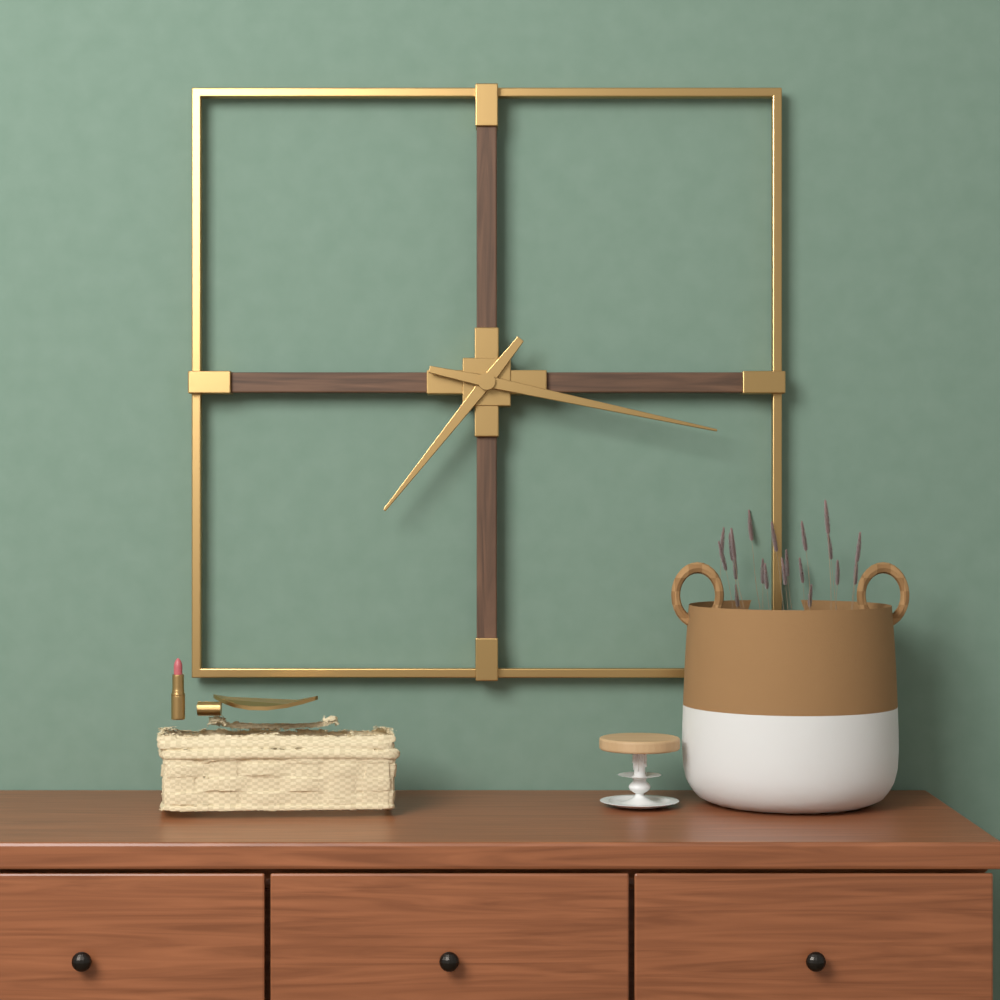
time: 7:17
